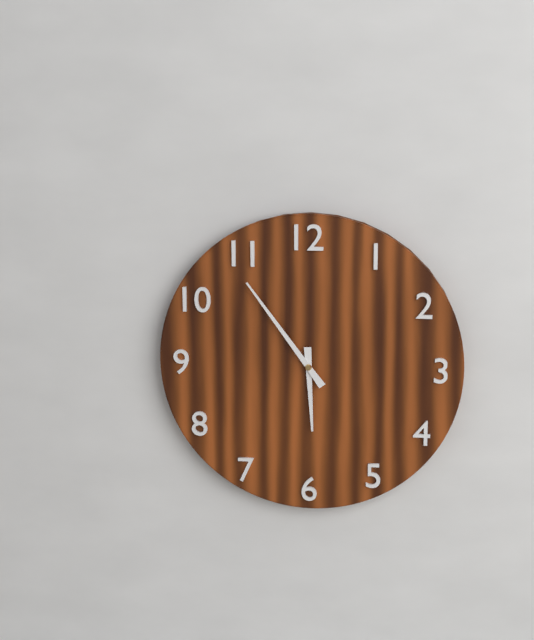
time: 5:54
